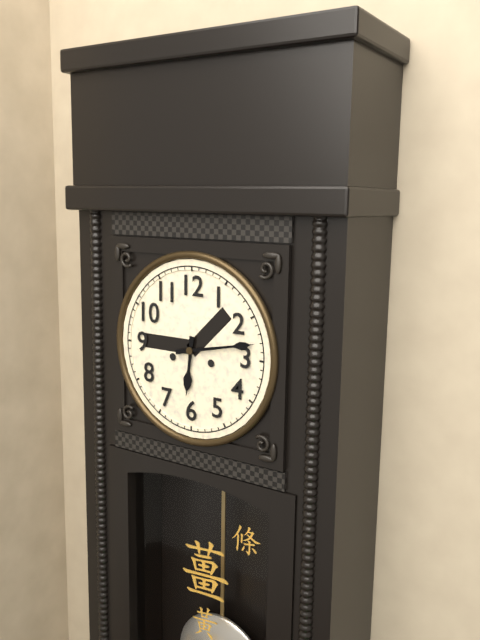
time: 6:13
